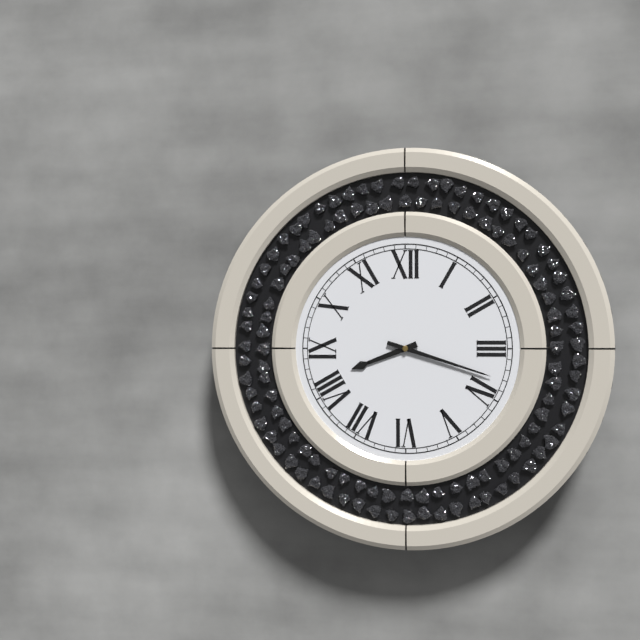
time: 8:18
